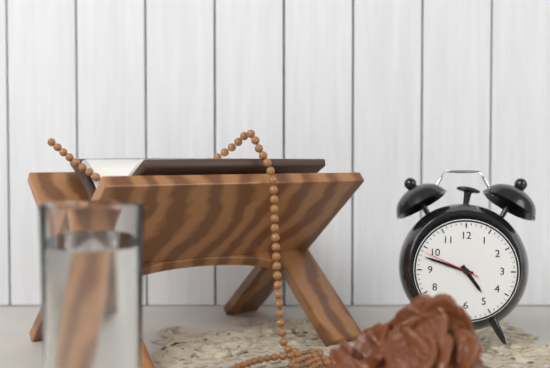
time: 4:48:49
